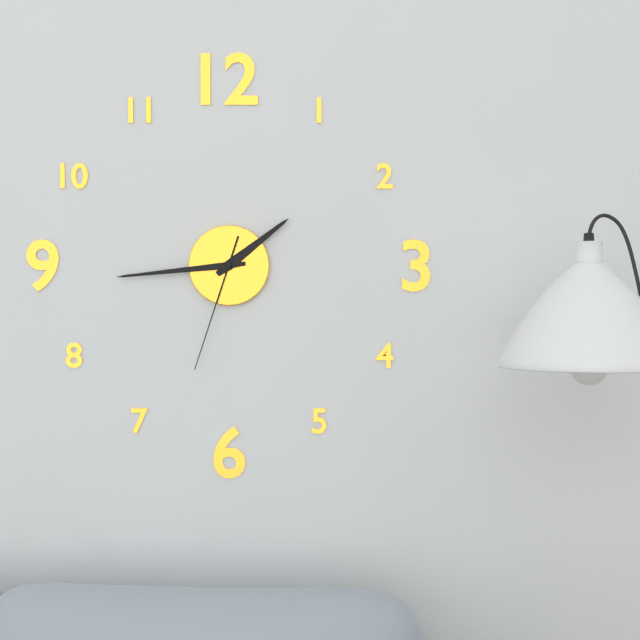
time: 1:44:33
